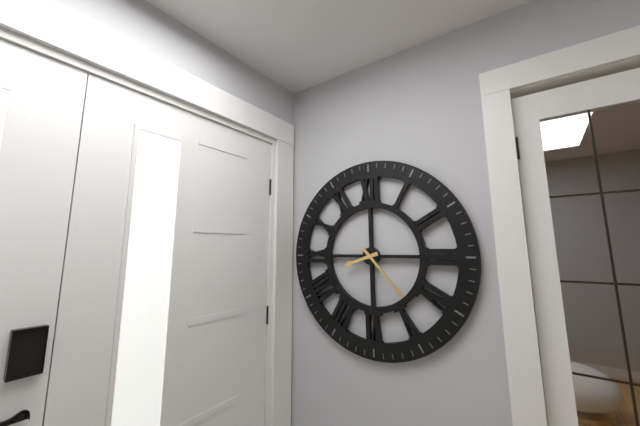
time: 8:23
